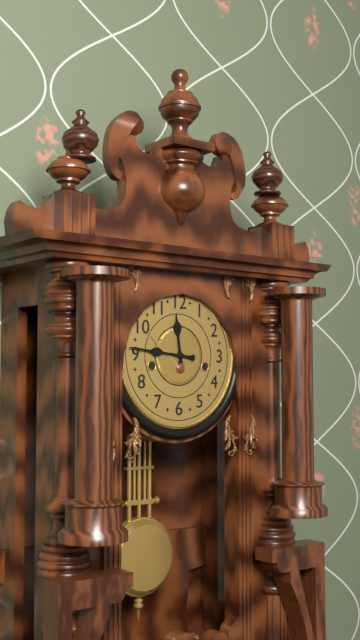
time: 11:46
